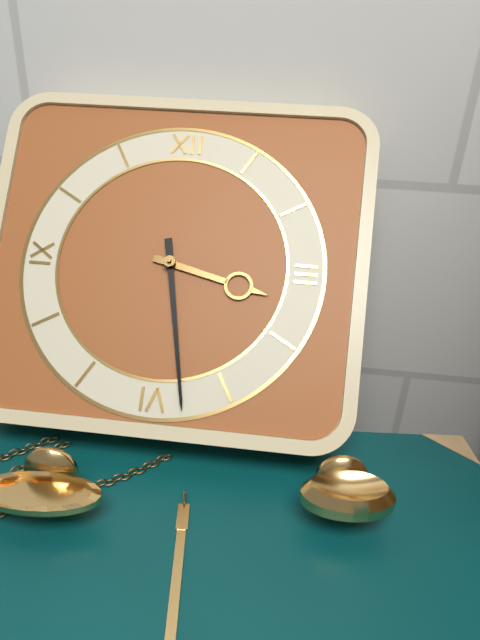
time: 3:28
